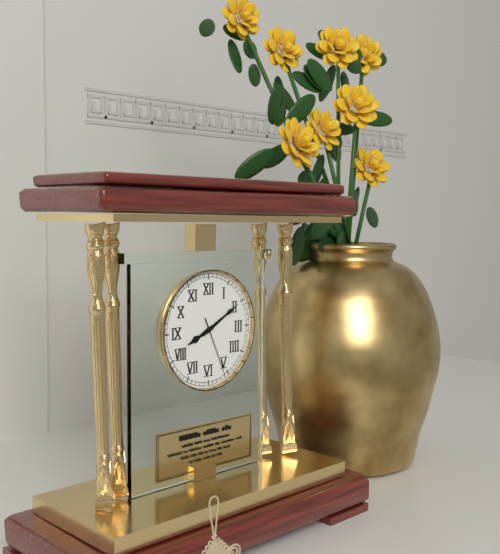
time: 8:10:26
